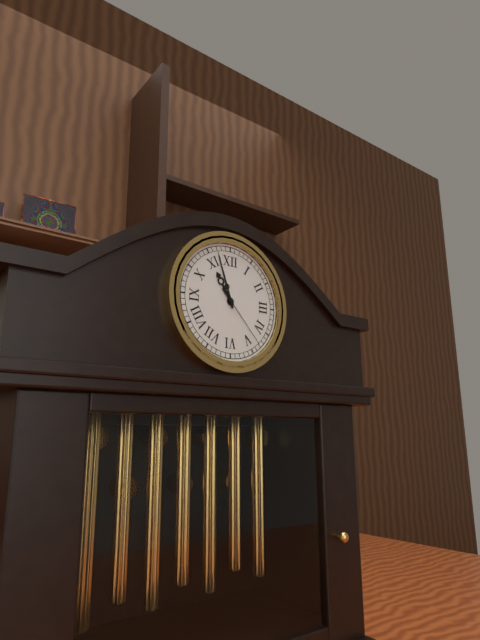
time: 10:57:23
